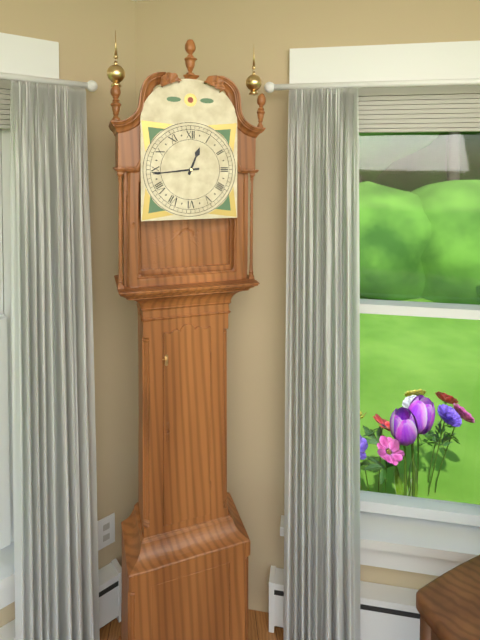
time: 12:44
